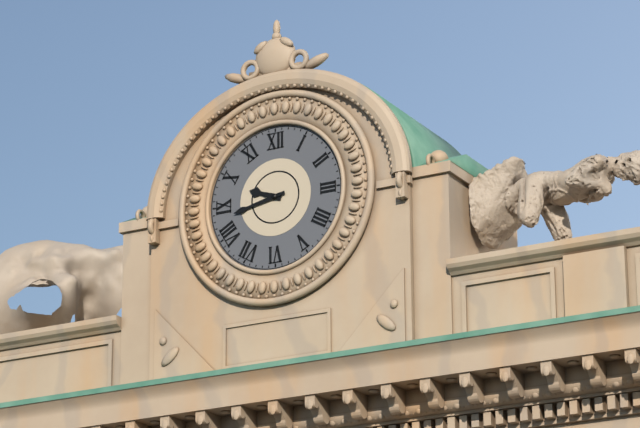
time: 9:43
